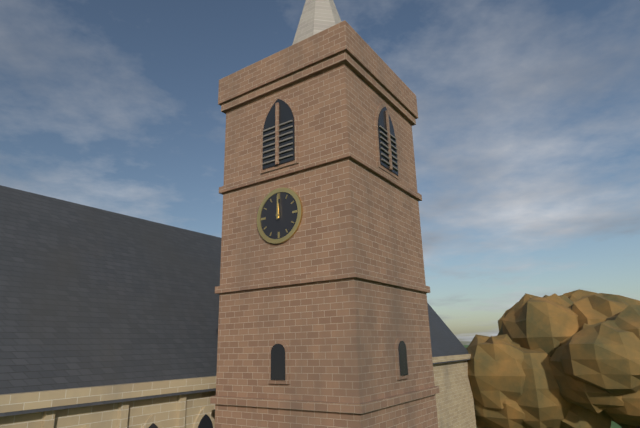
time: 12:00
